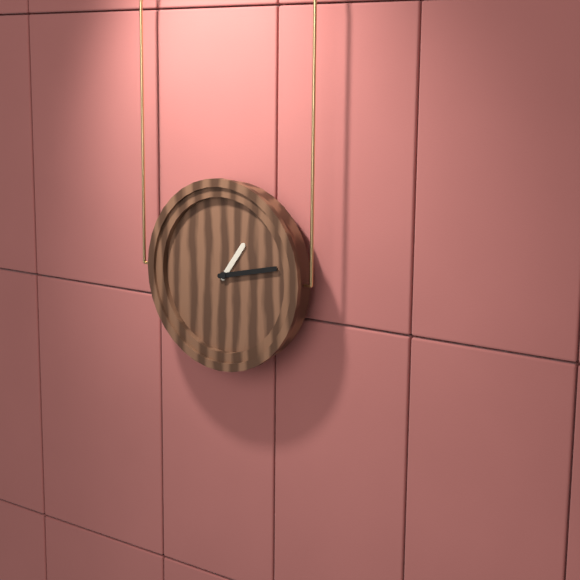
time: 1:13
